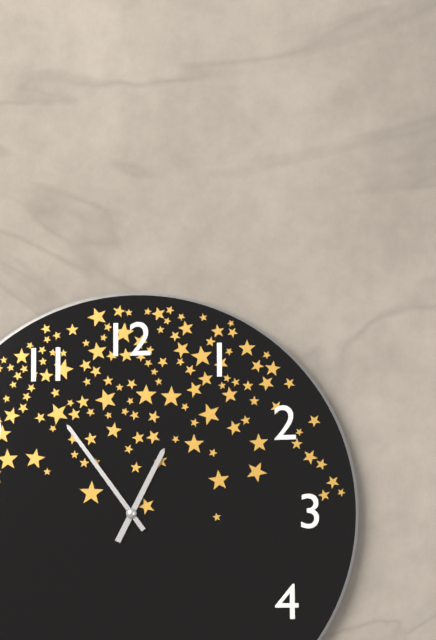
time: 12:54
